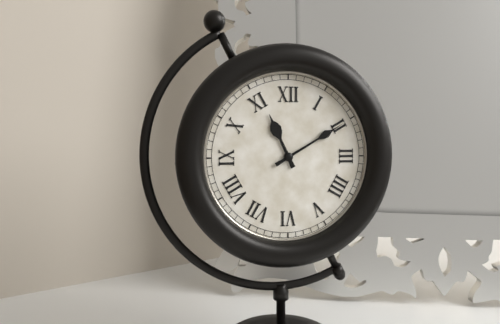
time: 11:10
